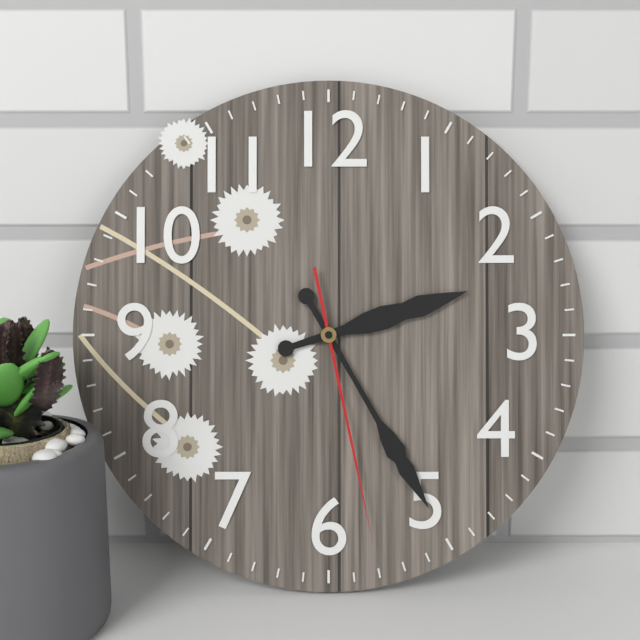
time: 2:25:28
